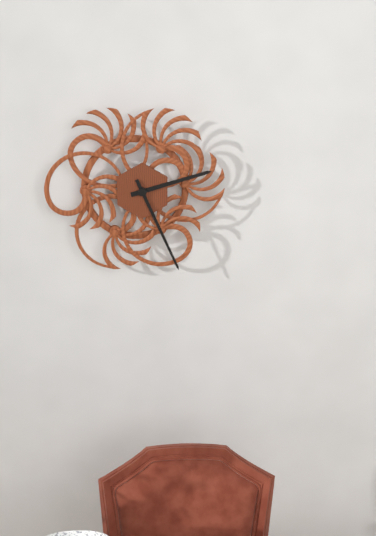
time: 2:26
